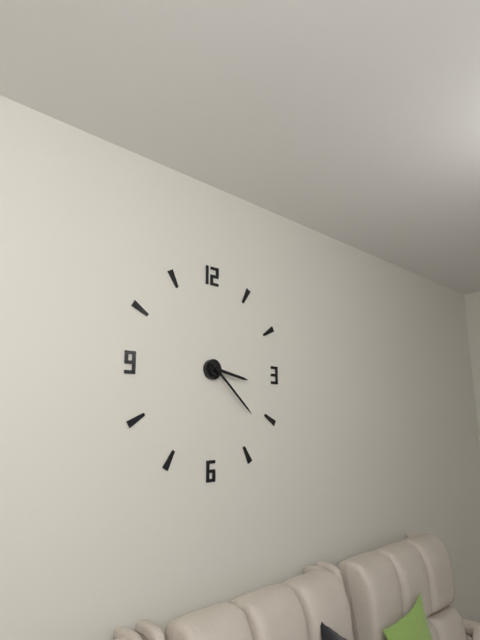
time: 3:22
